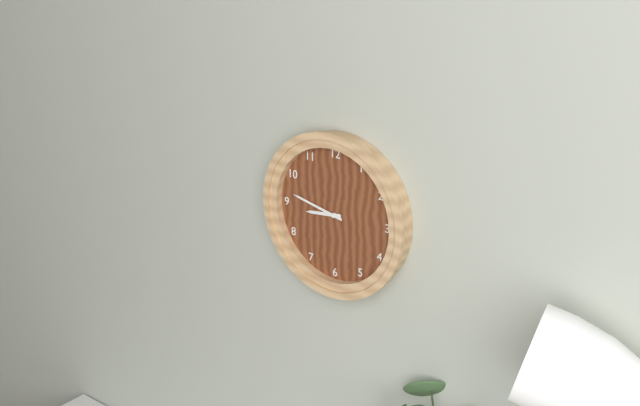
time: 8:47
